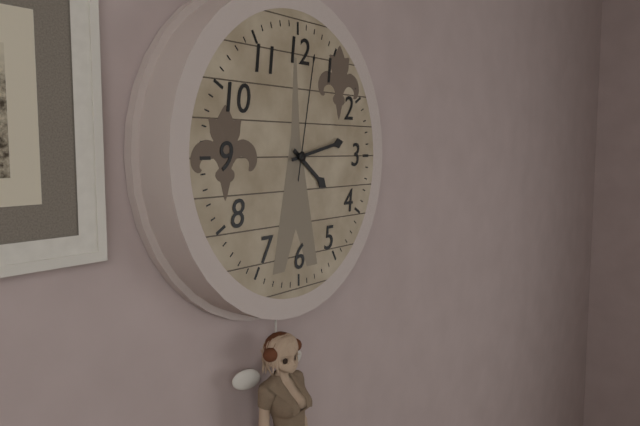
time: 4:13:02
